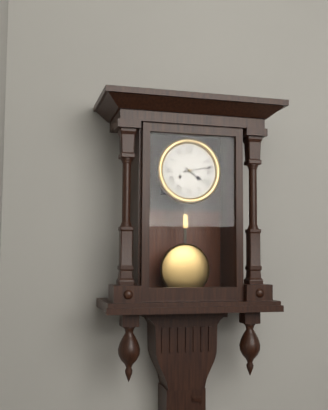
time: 4:13
